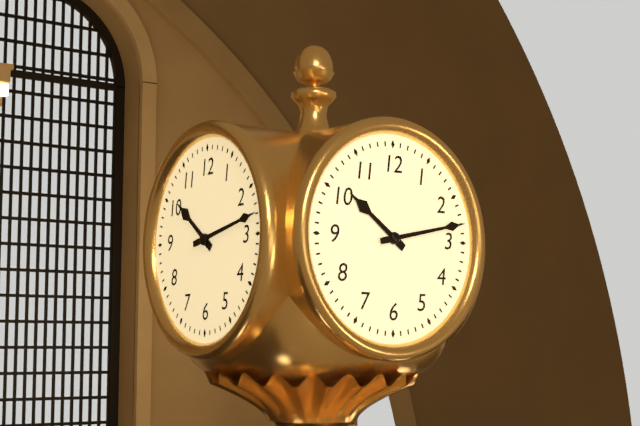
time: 10:13
